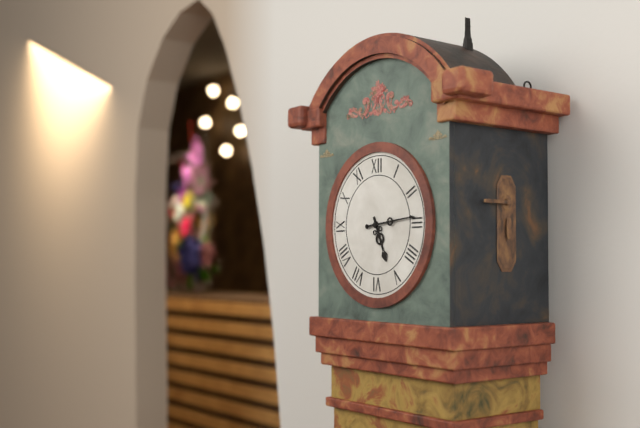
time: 5:14
